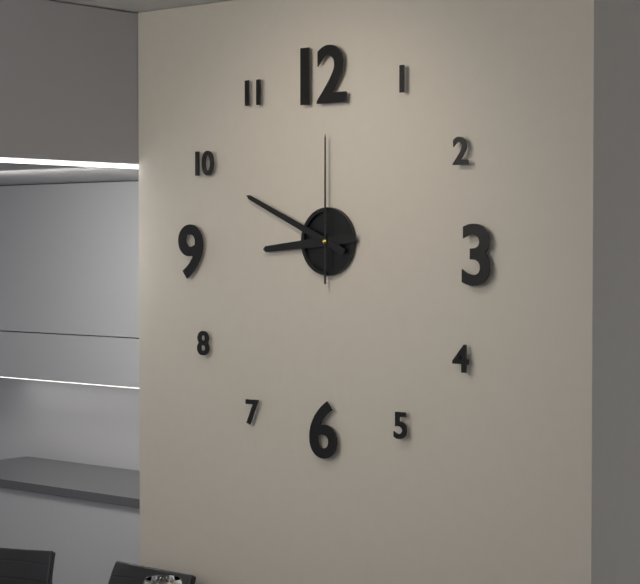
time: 8:49:00
